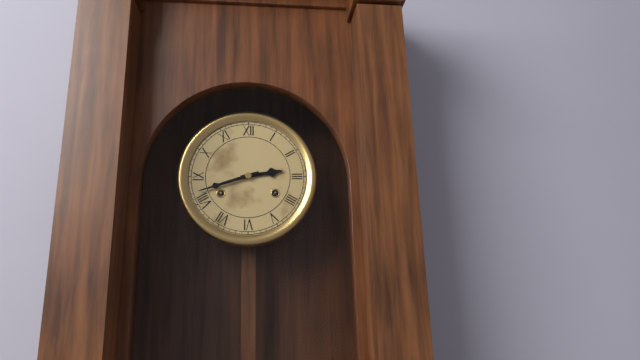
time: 2:42
